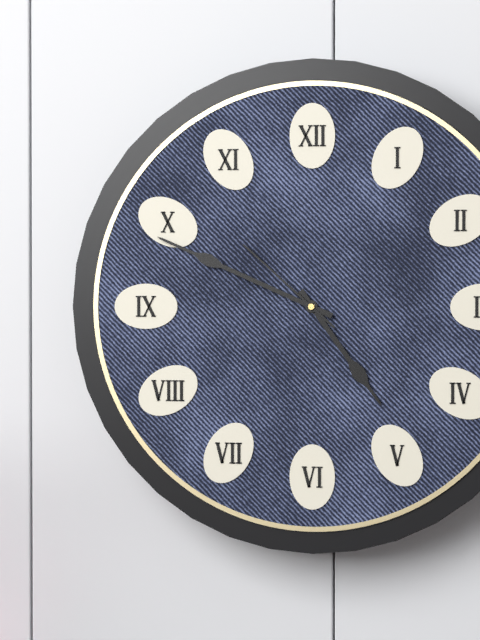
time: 4:49:52
